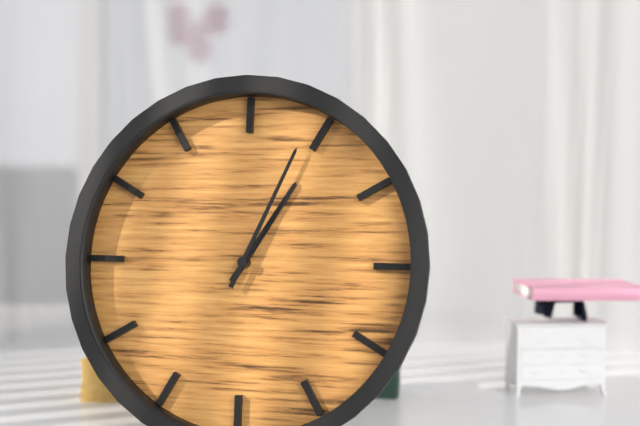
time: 1:04
